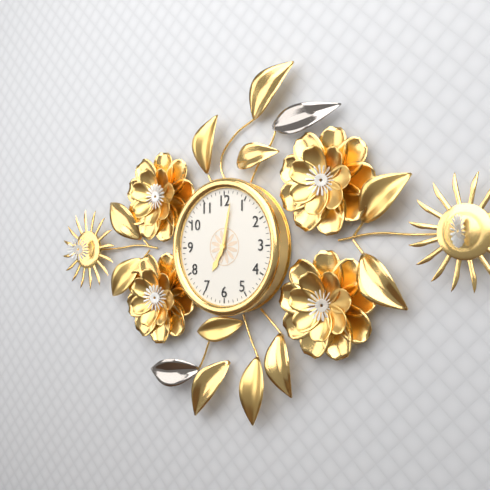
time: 7:02
